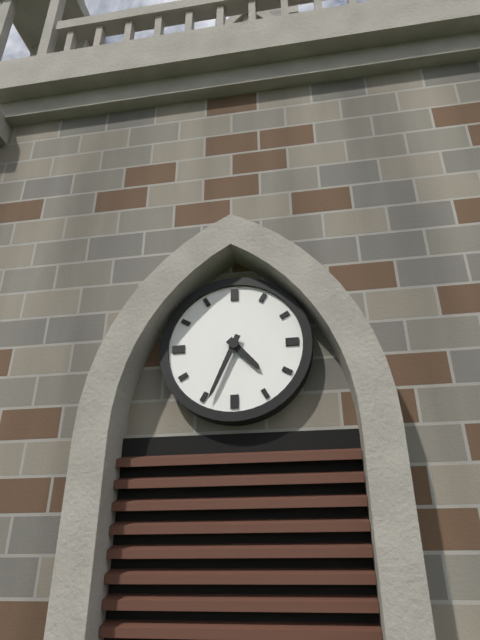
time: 4:34
